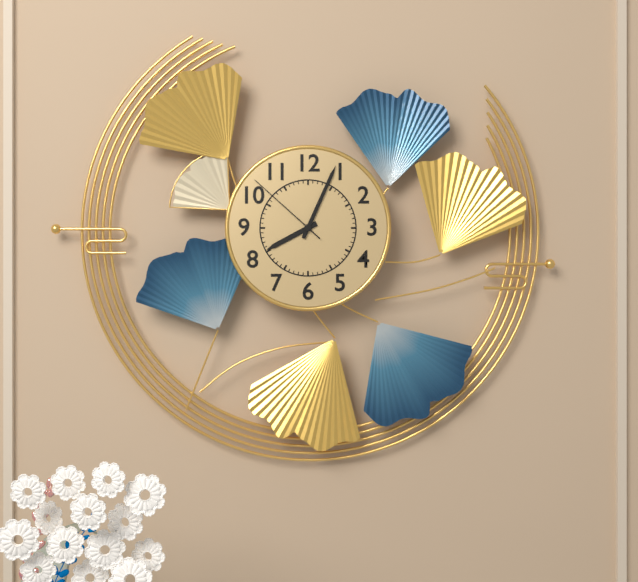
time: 8:04:52
